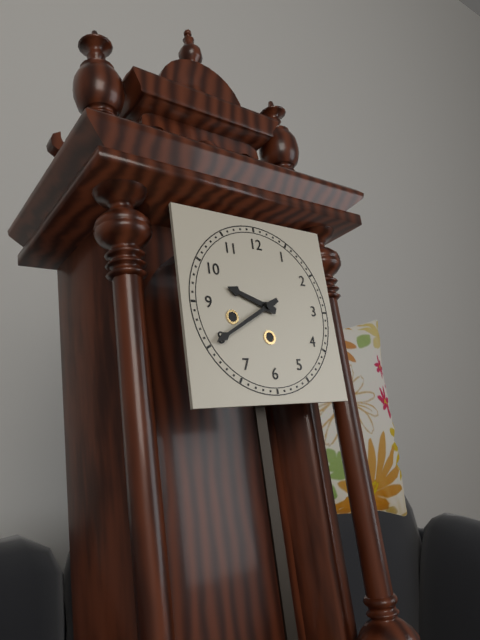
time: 9:40
